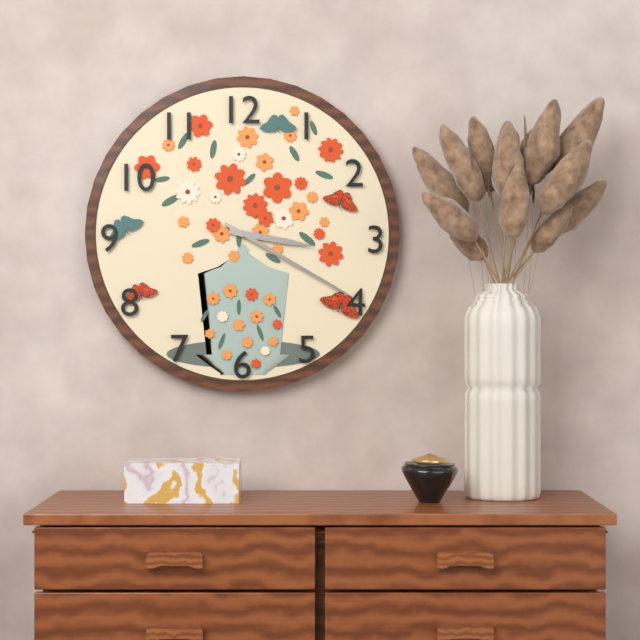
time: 3:20
